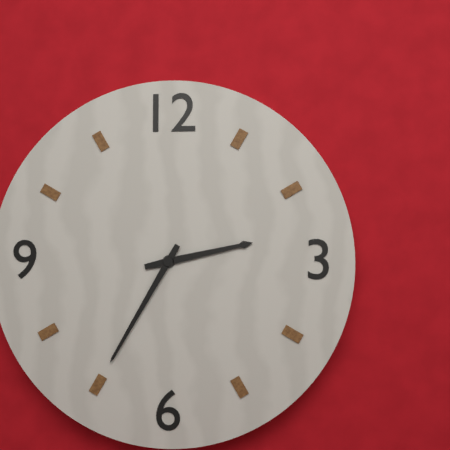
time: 2:35
